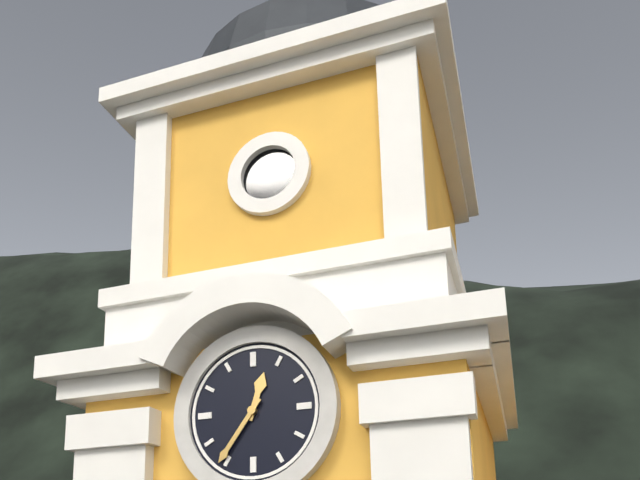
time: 12:36
